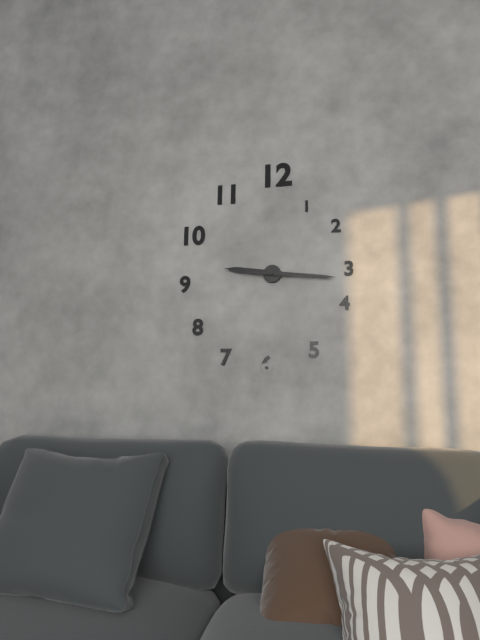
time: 9:16
